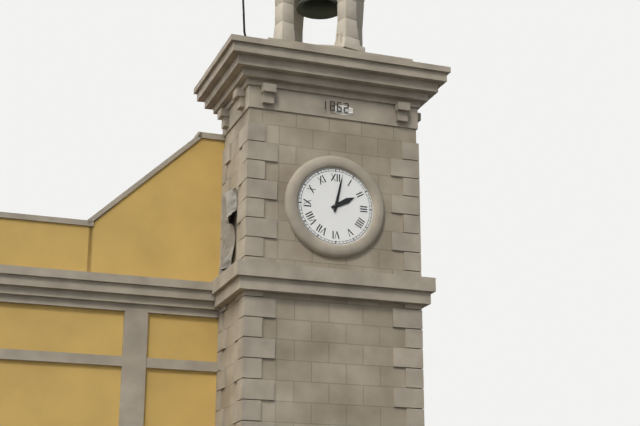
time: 2:02
